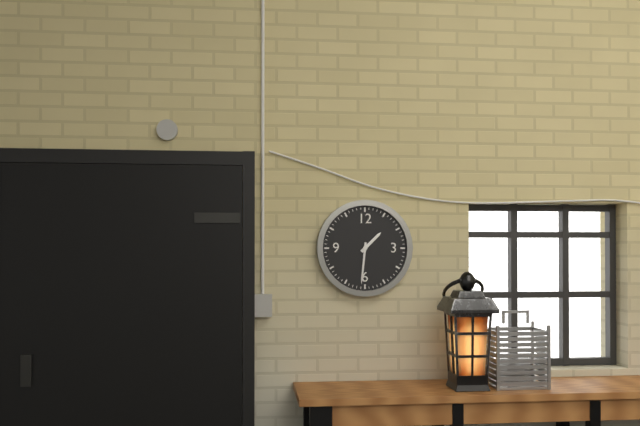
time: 1:31
